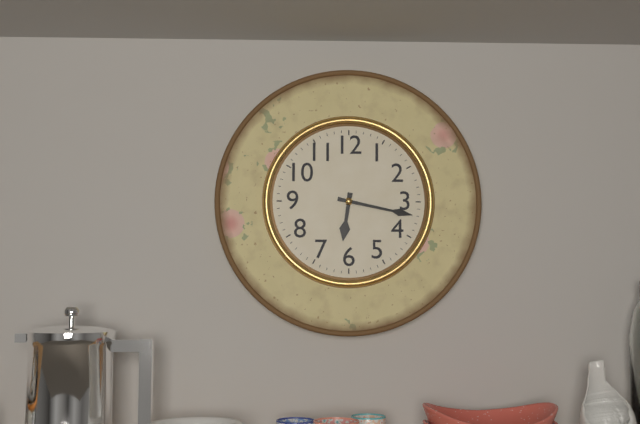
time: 6:17
